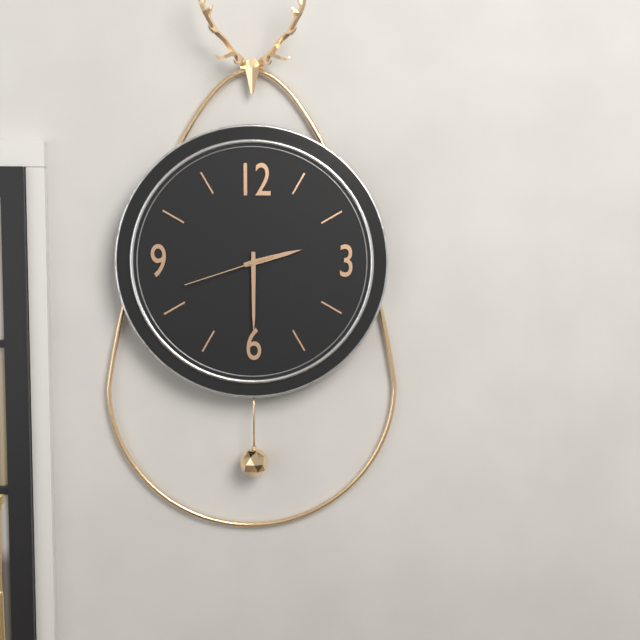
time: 2:30:42
